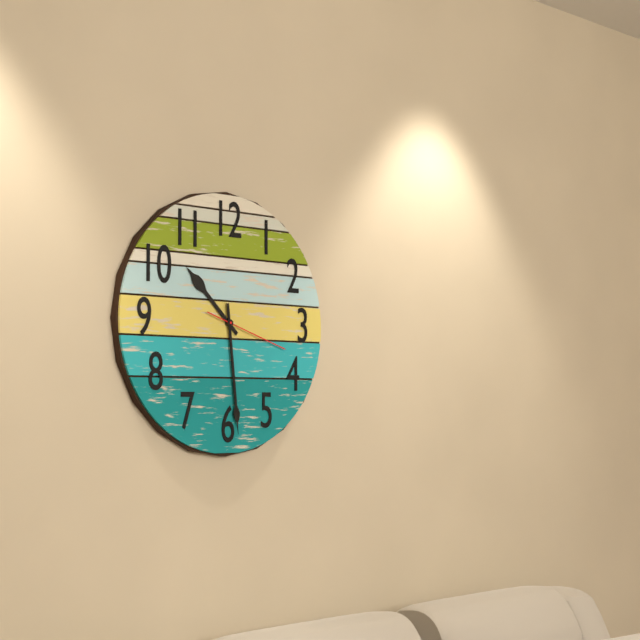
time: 10:29:18
